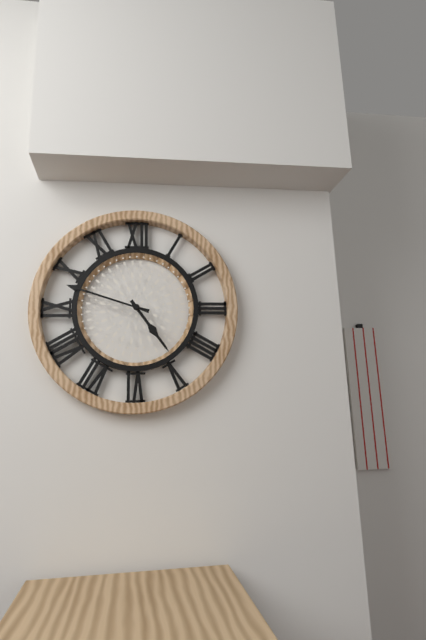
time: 4:48
